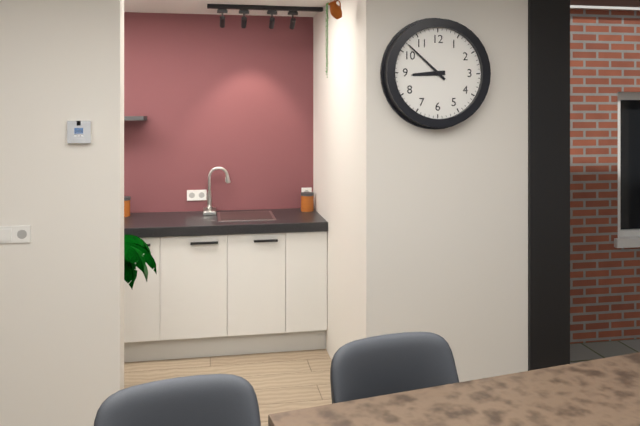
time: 8:52
